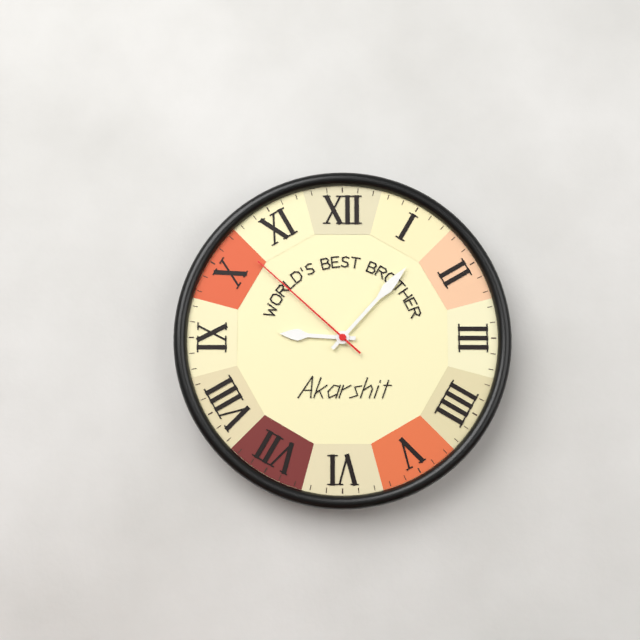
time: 9:07:52
